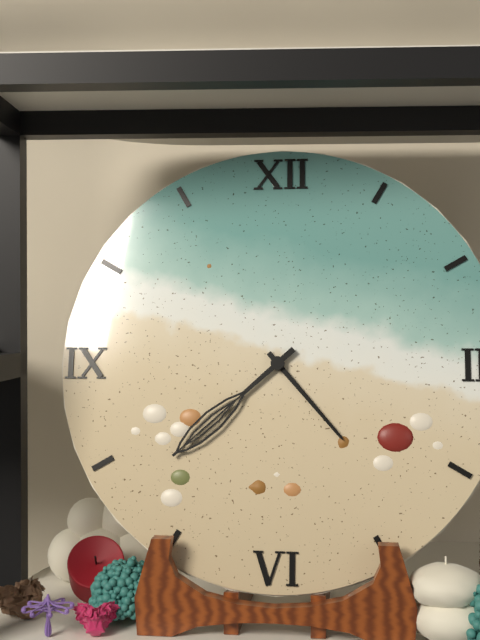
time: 4:38
